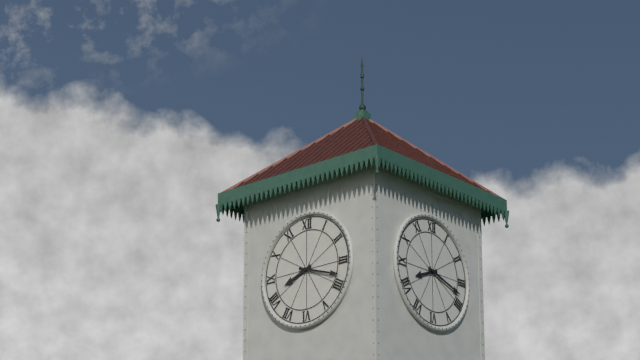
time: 8:18
